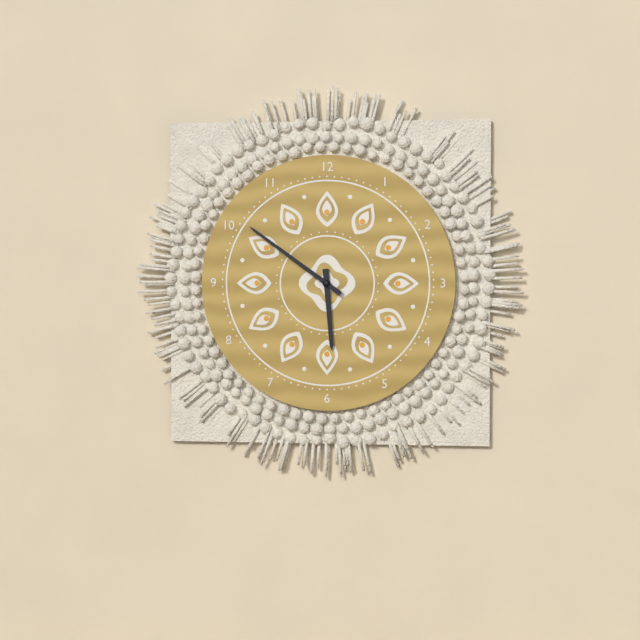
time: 5:51
